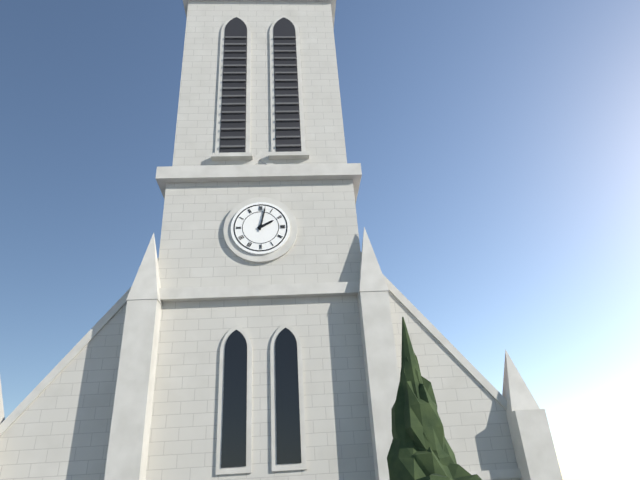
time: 2:02
